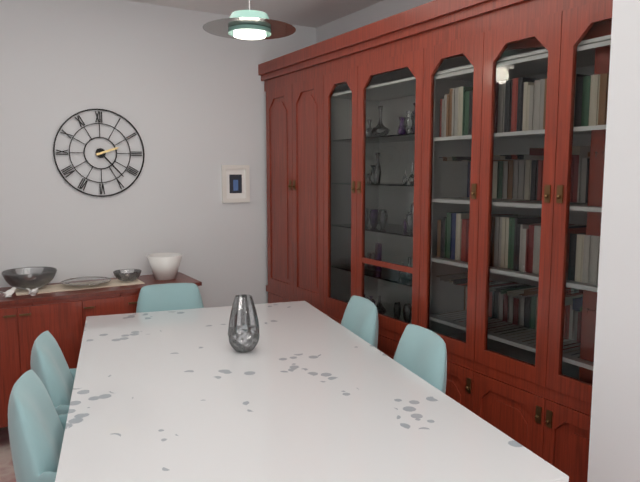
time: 2:23
